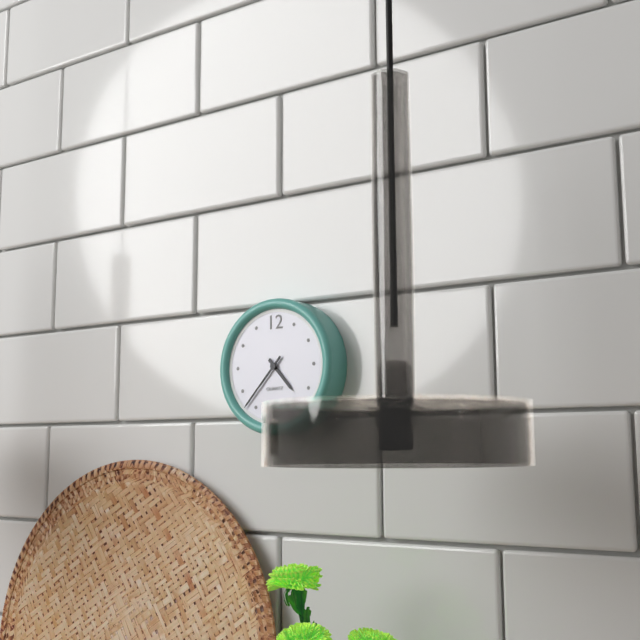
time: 4:37
